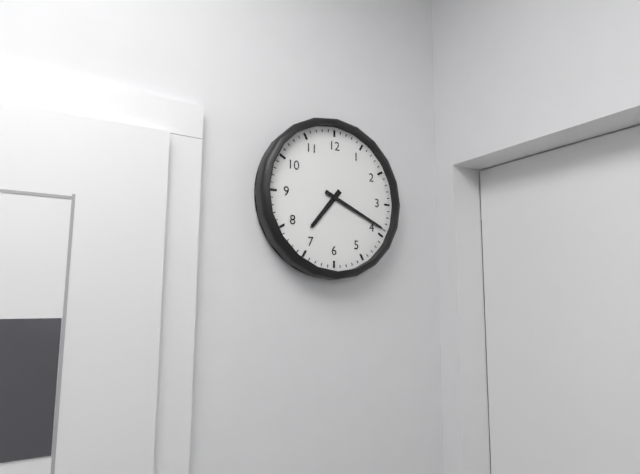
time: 7:19
